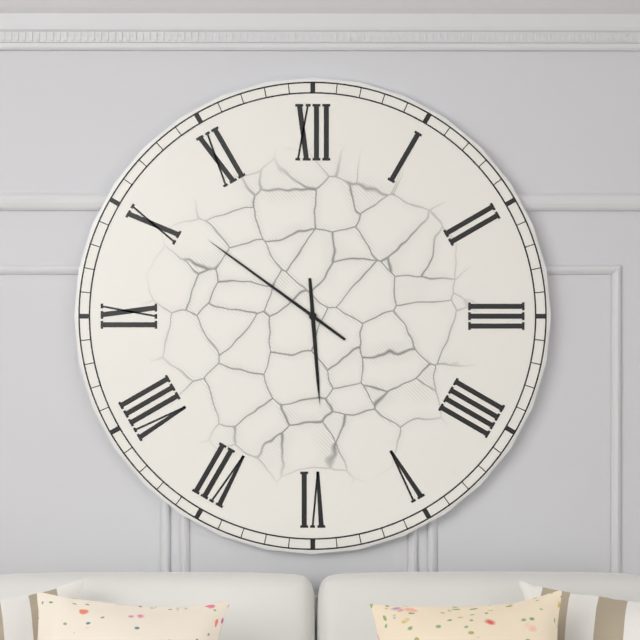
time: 5:51
